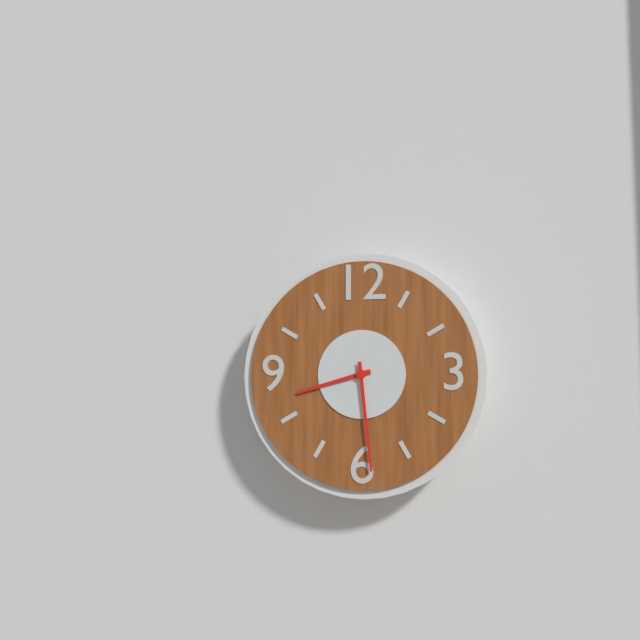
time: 8:29
